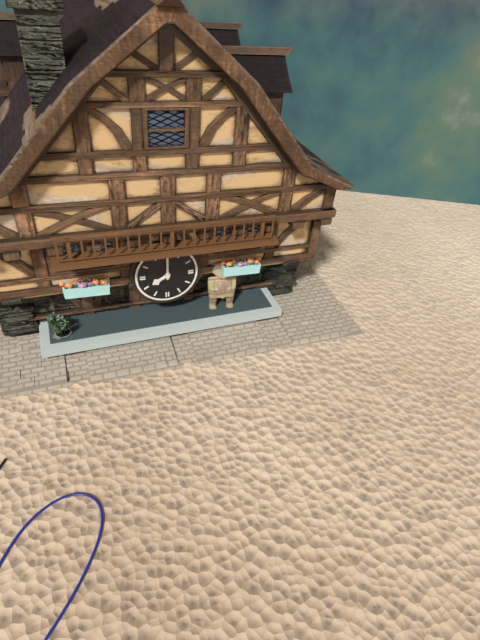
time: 8:00
